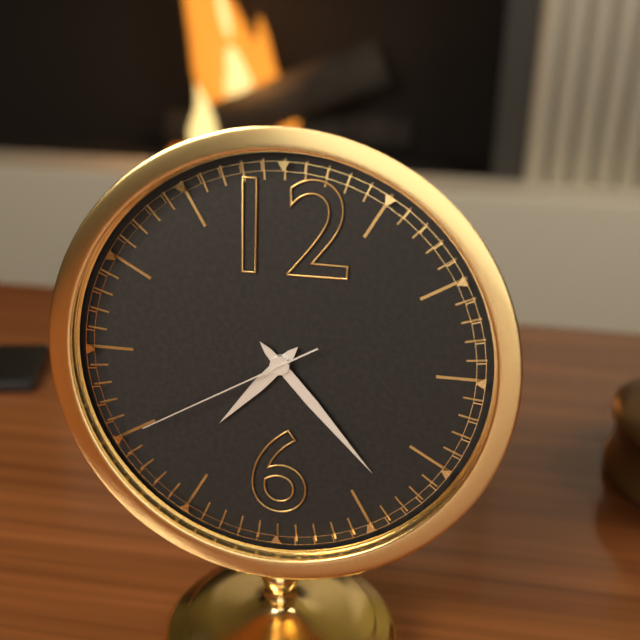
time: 7:23:40
